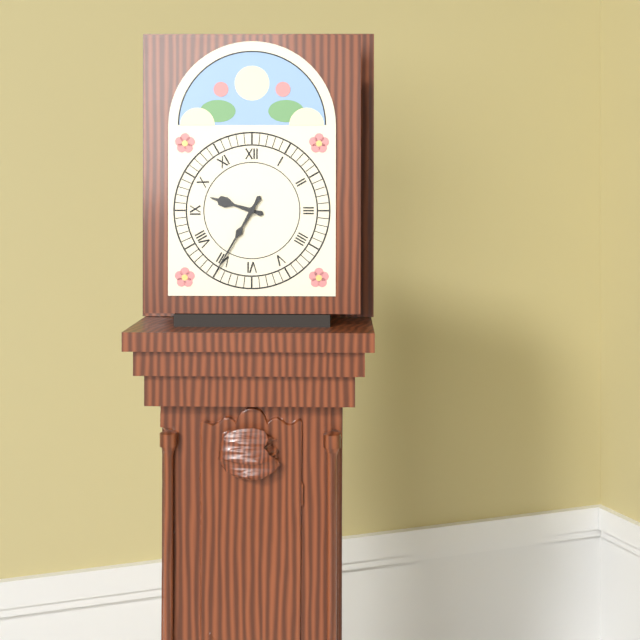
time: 9:35
